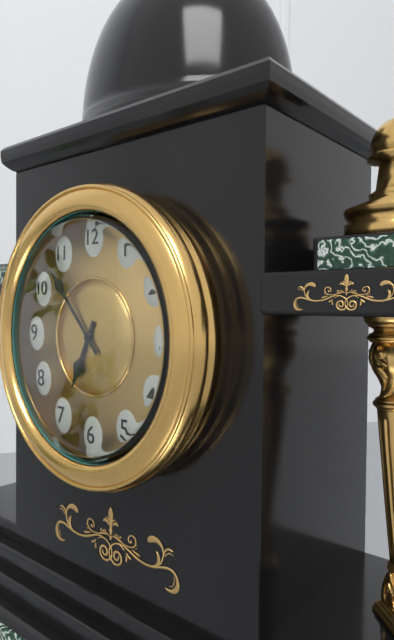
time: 6:53
